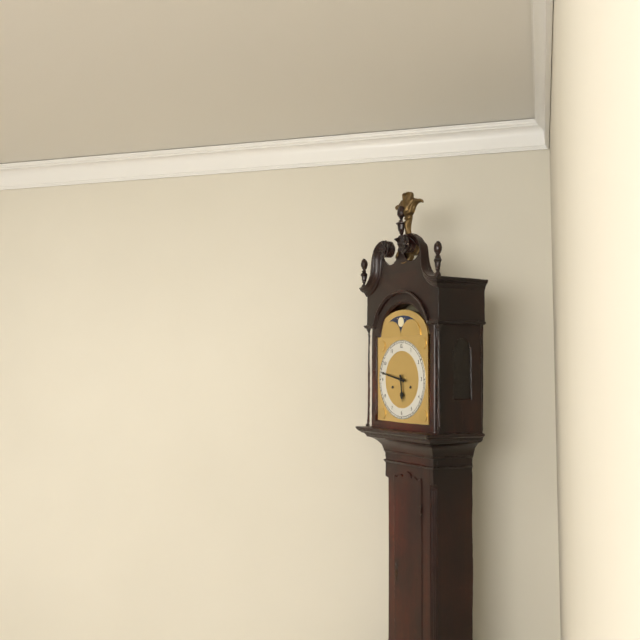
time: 5:47
